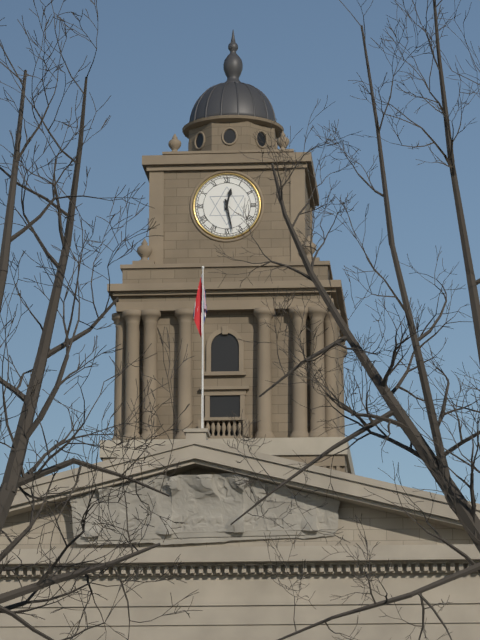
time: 12:28
